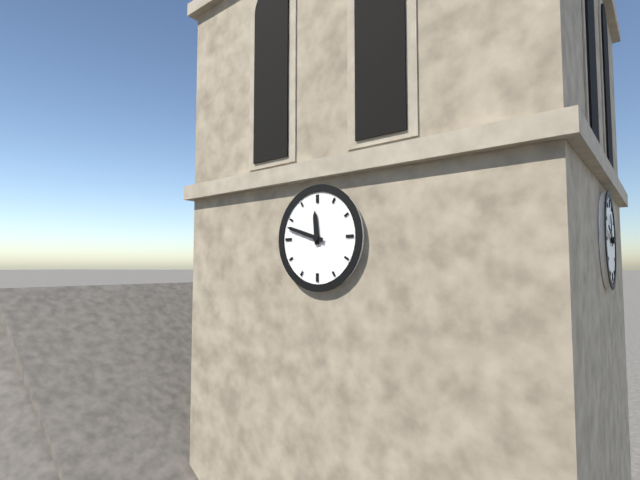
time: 11:48
